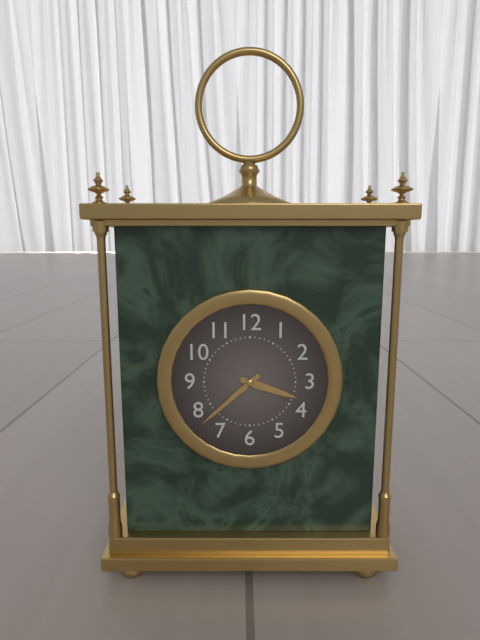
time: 3:38
